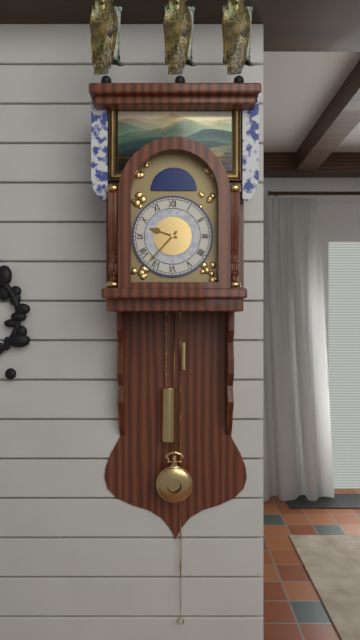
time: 9:37
